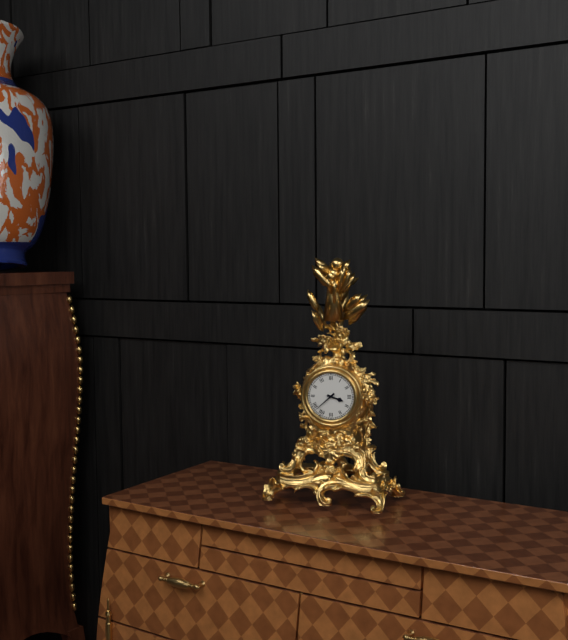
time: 3:38
